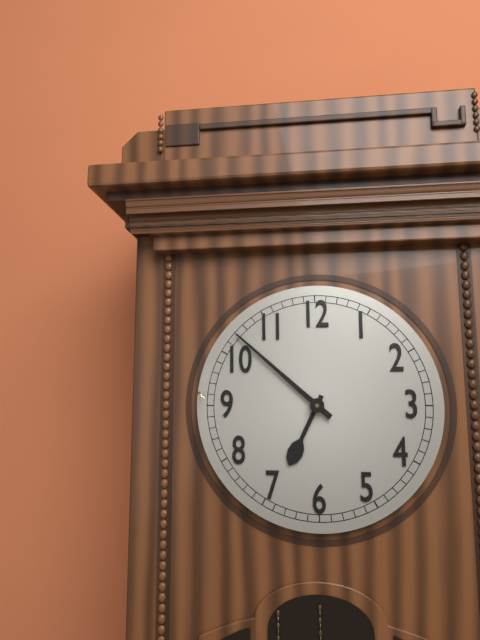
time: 6:52
